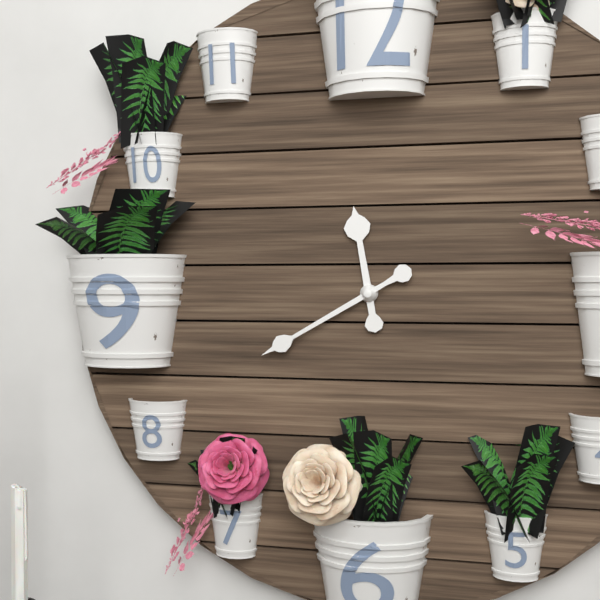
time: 11:40
